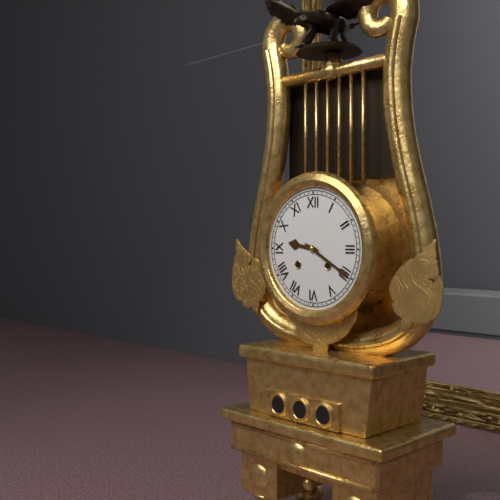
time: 9:20
